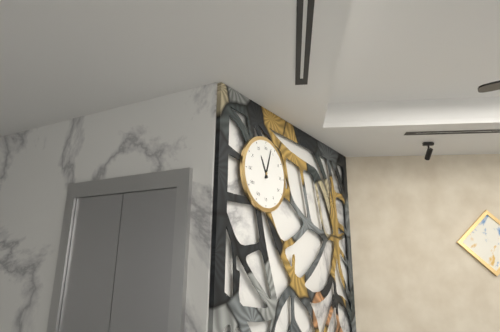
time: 11:03
